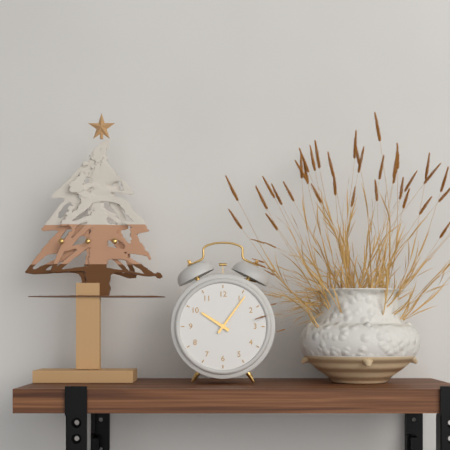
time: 10:06
